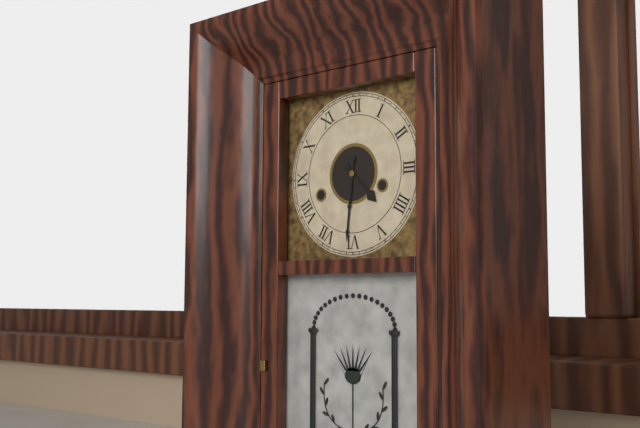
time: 4:31
